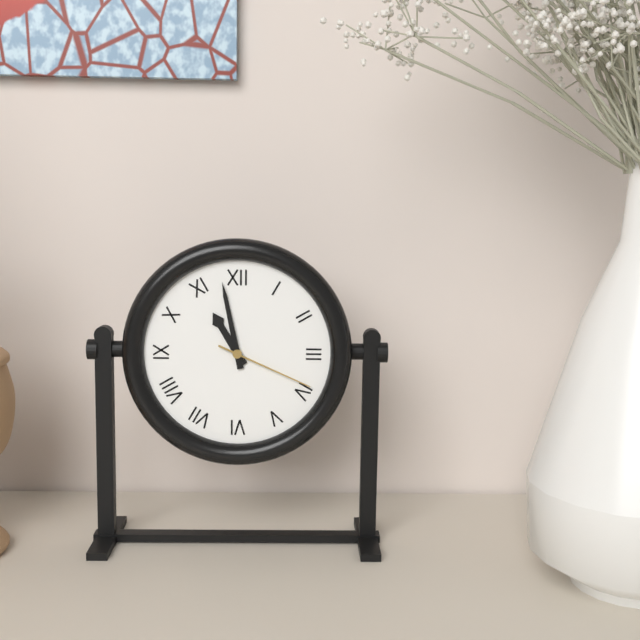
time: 10:58:19
